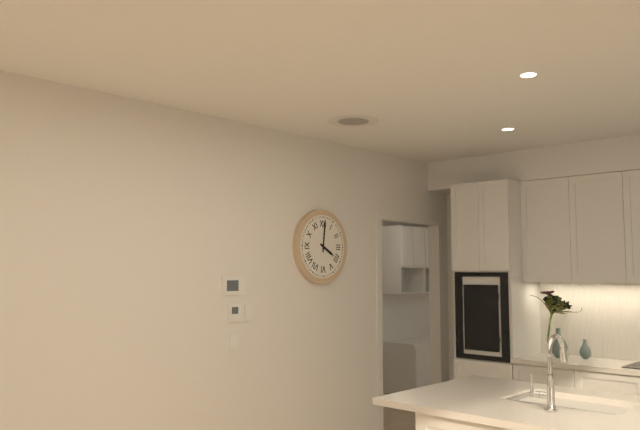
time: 4:01
